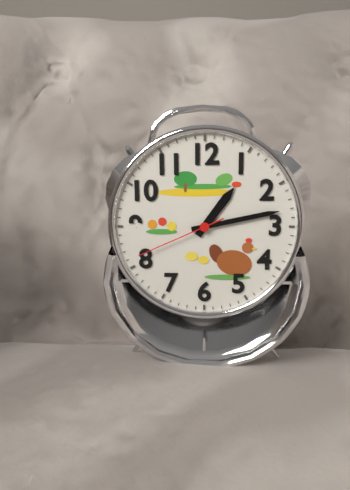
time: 1:13:41
